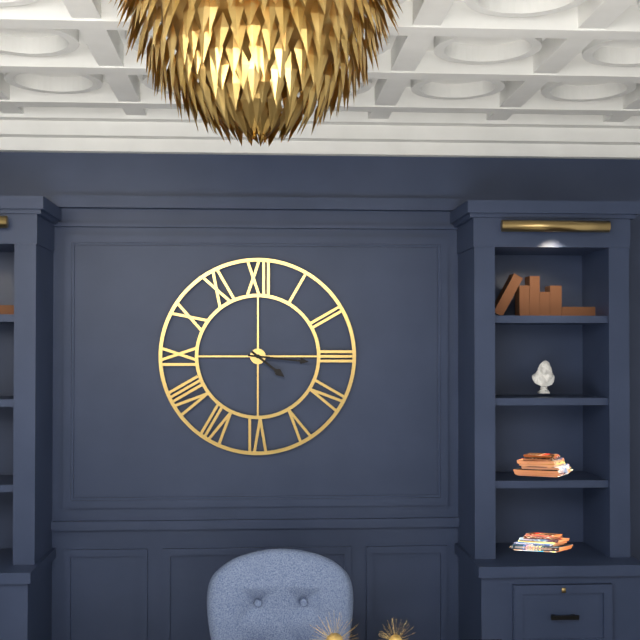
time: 4:16
